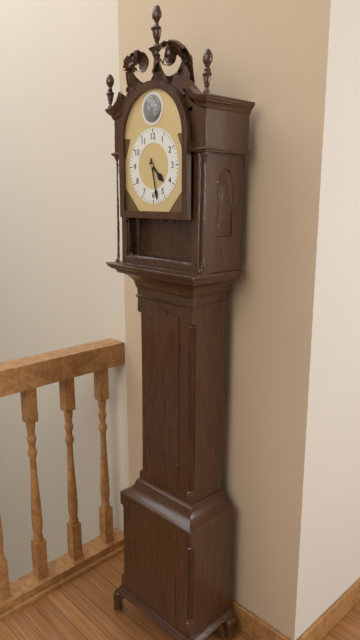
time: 4:28
